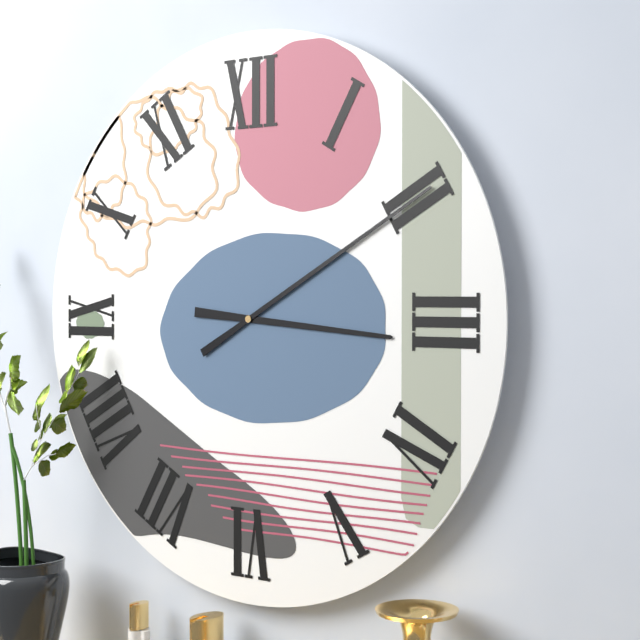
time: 3:10
